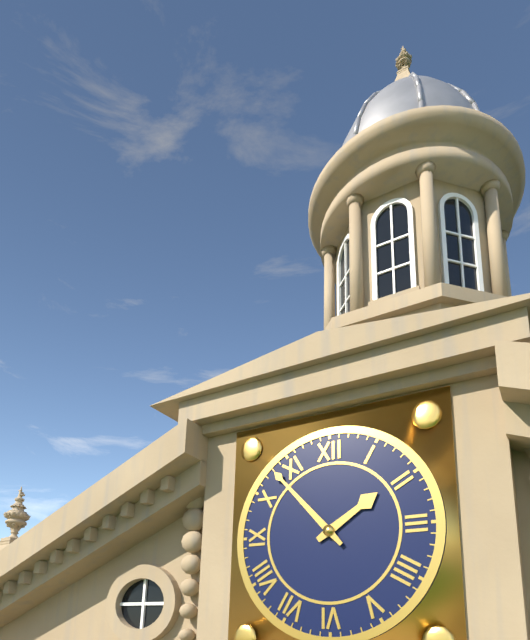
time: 1:53
